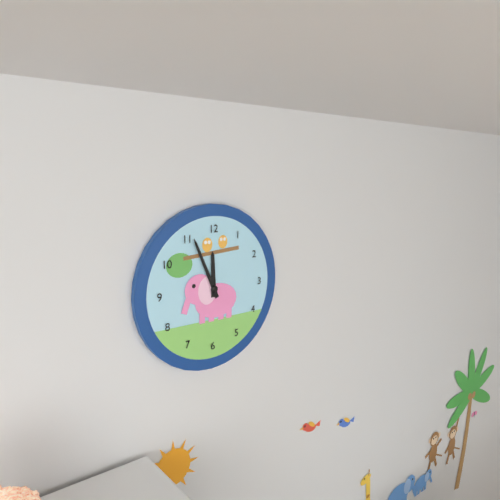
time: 11:56
